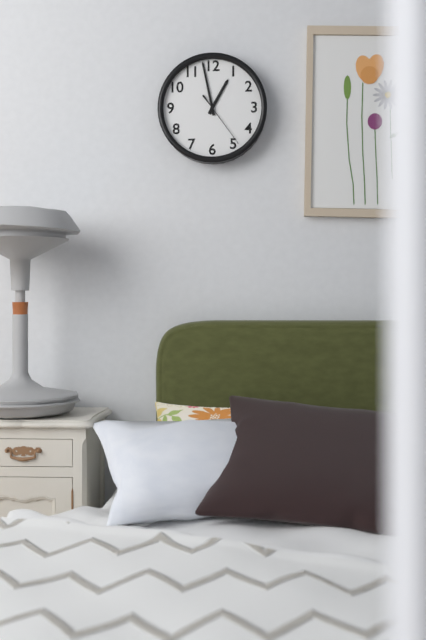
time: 12:58:24
